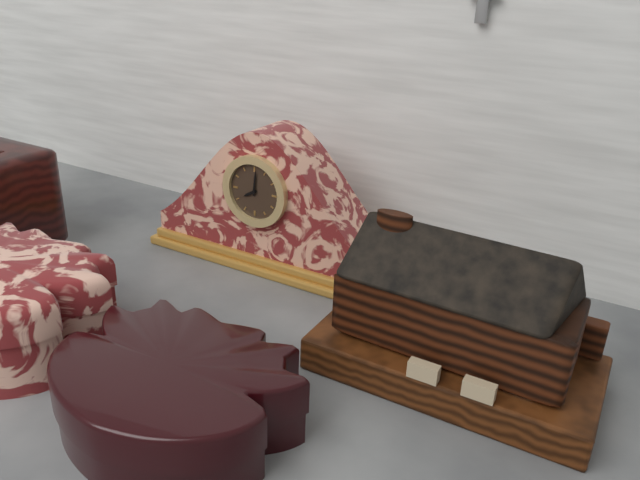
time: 8:01
